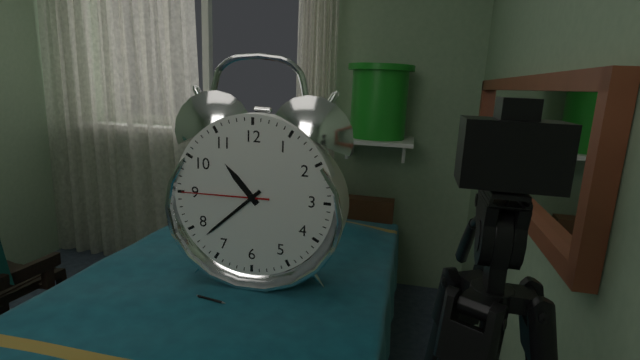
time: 10:38:45
